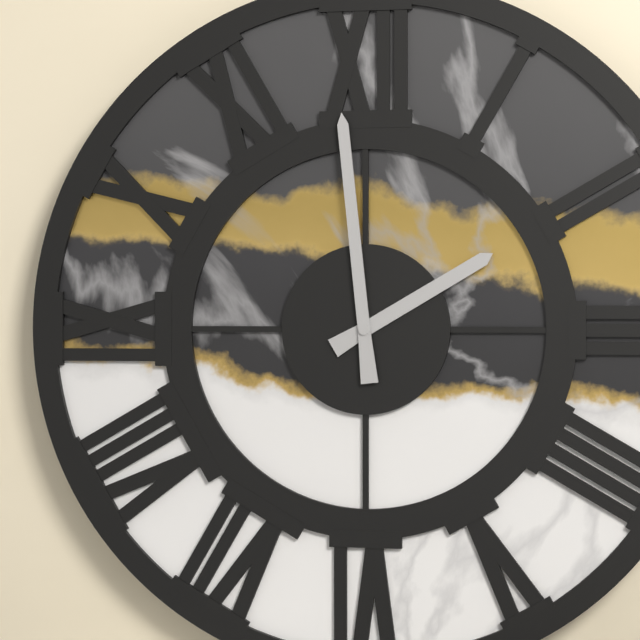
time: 1:59
